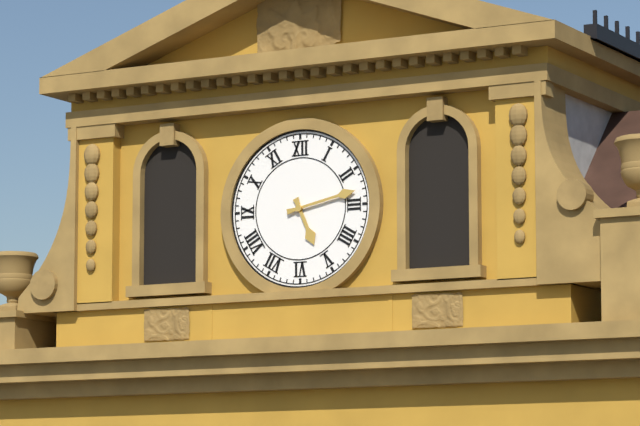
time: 5:13
